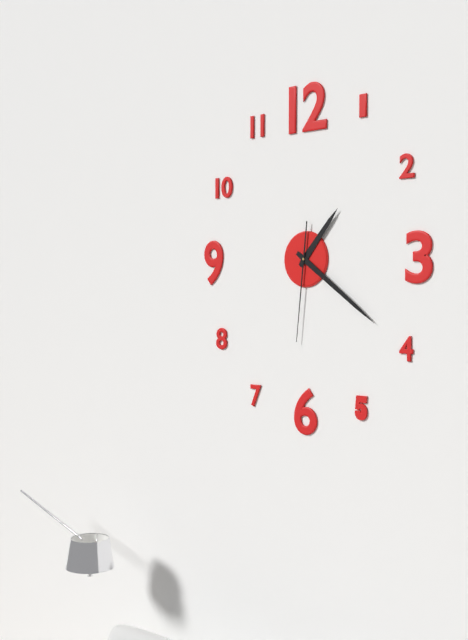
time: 1:21:31
